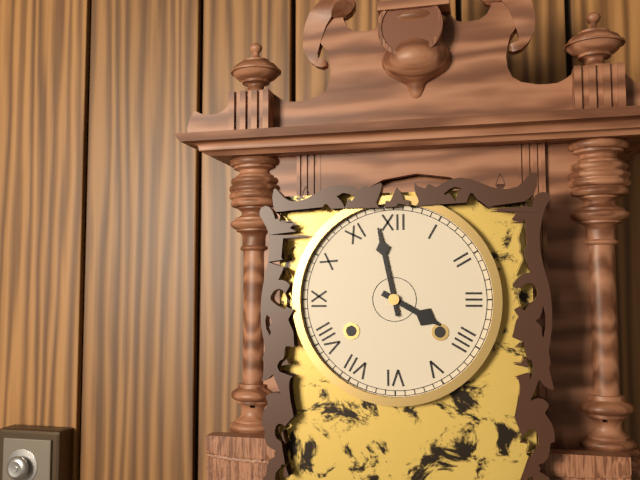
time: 3:58
